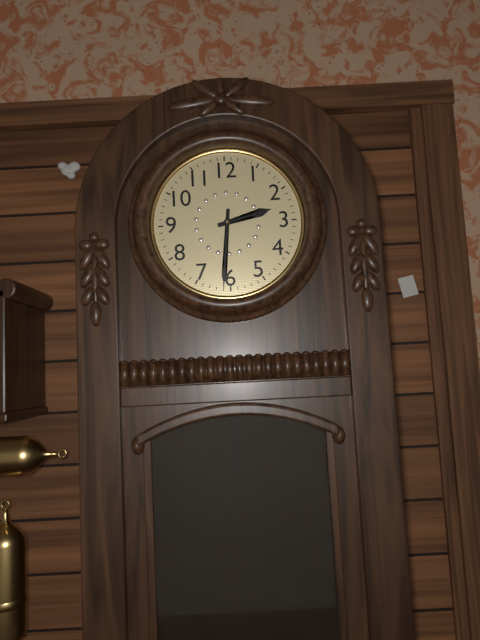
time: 2:31
